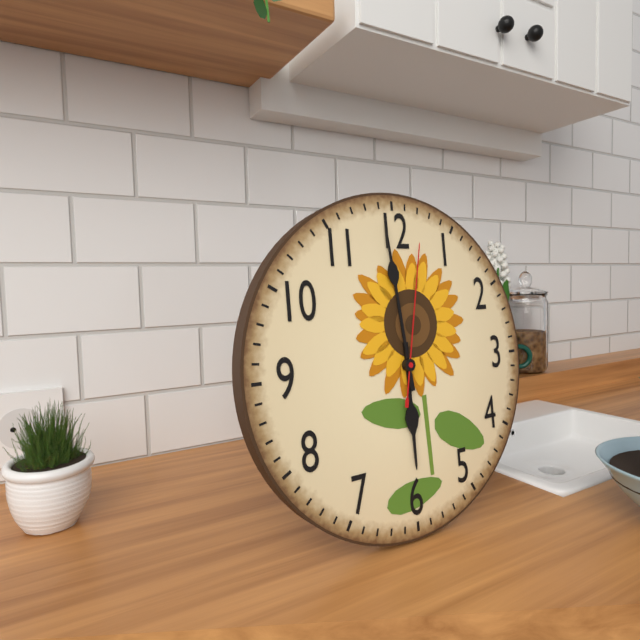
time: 5:59:02
